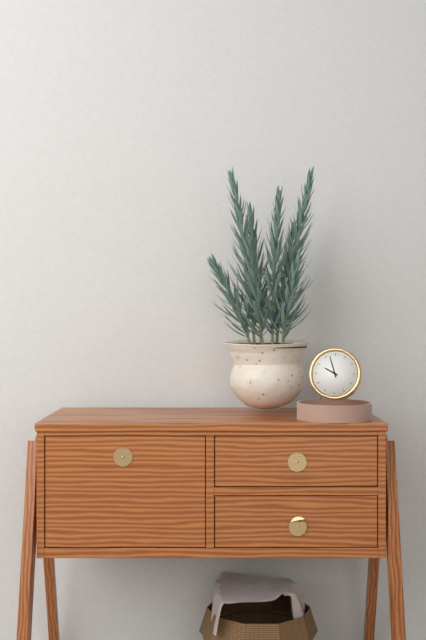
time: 9:57
